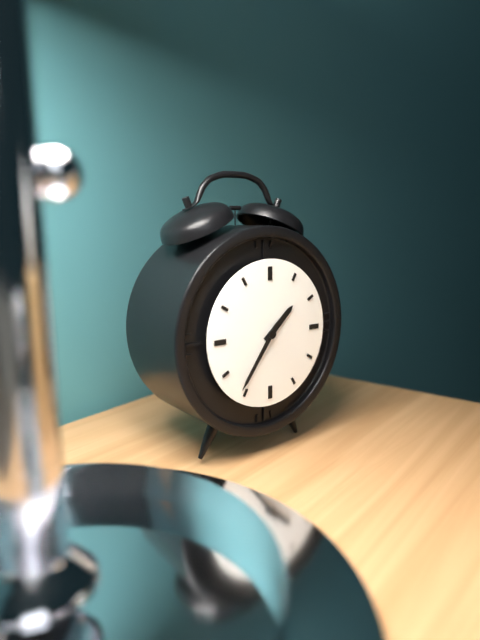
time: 1:36
